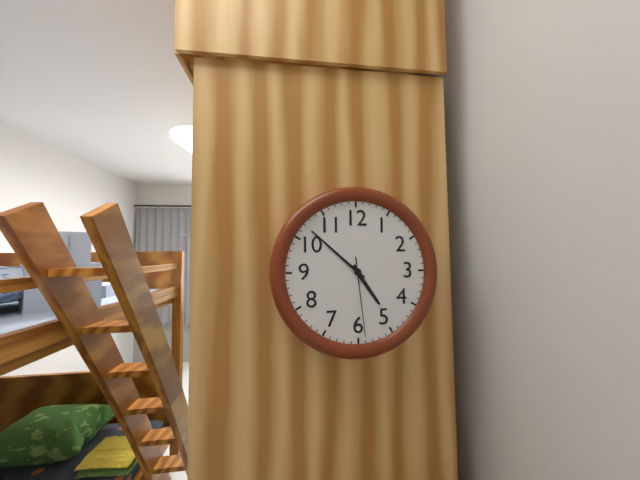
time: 4:52:29
